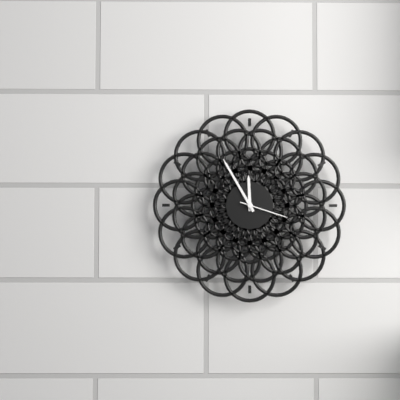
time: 11:55:18
